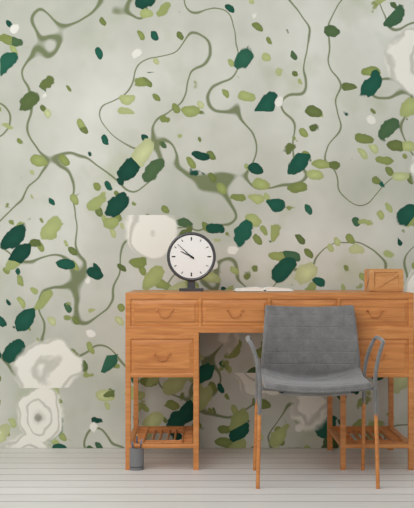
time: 9:52
